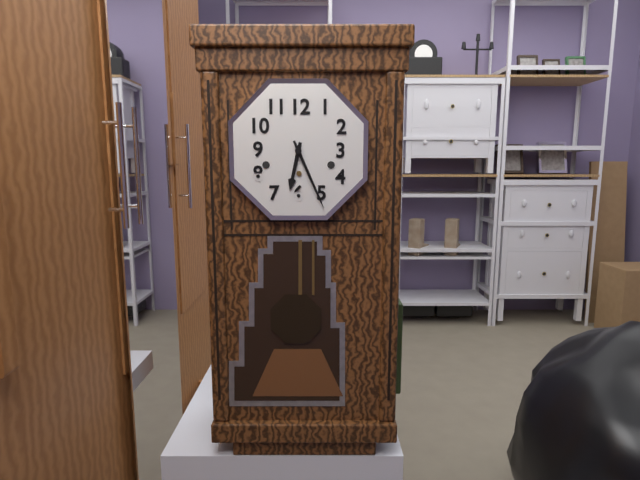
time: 6:26
